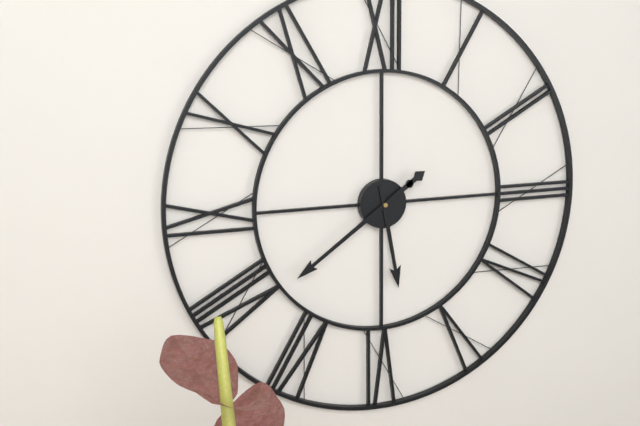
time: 5:39
